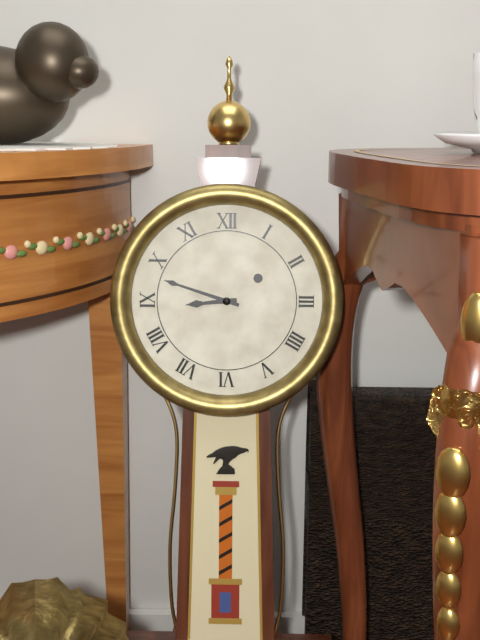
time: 8:48
